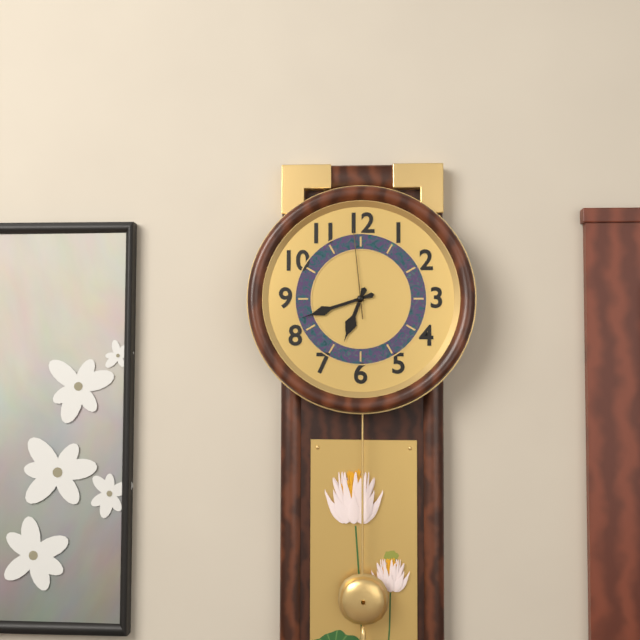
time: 6:42:59
